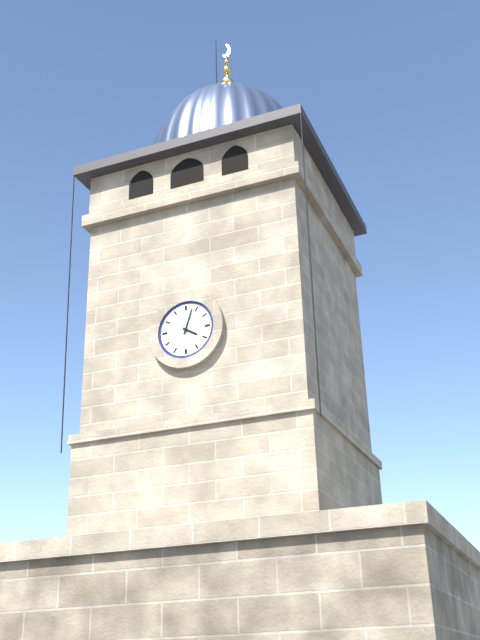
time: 4:03
